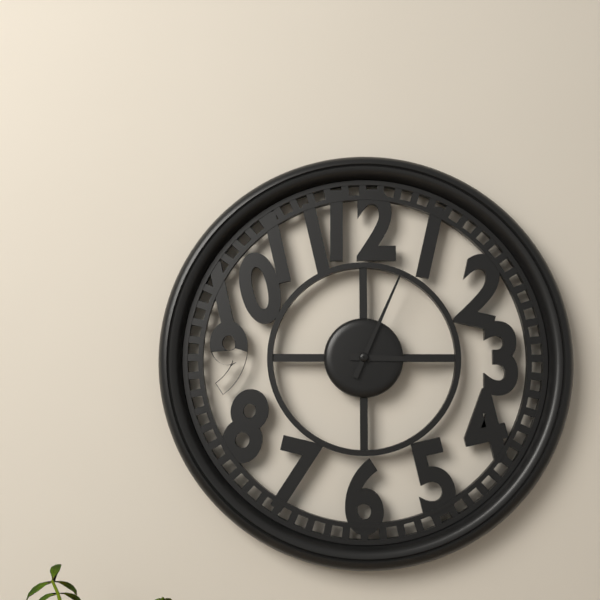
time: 3:04
